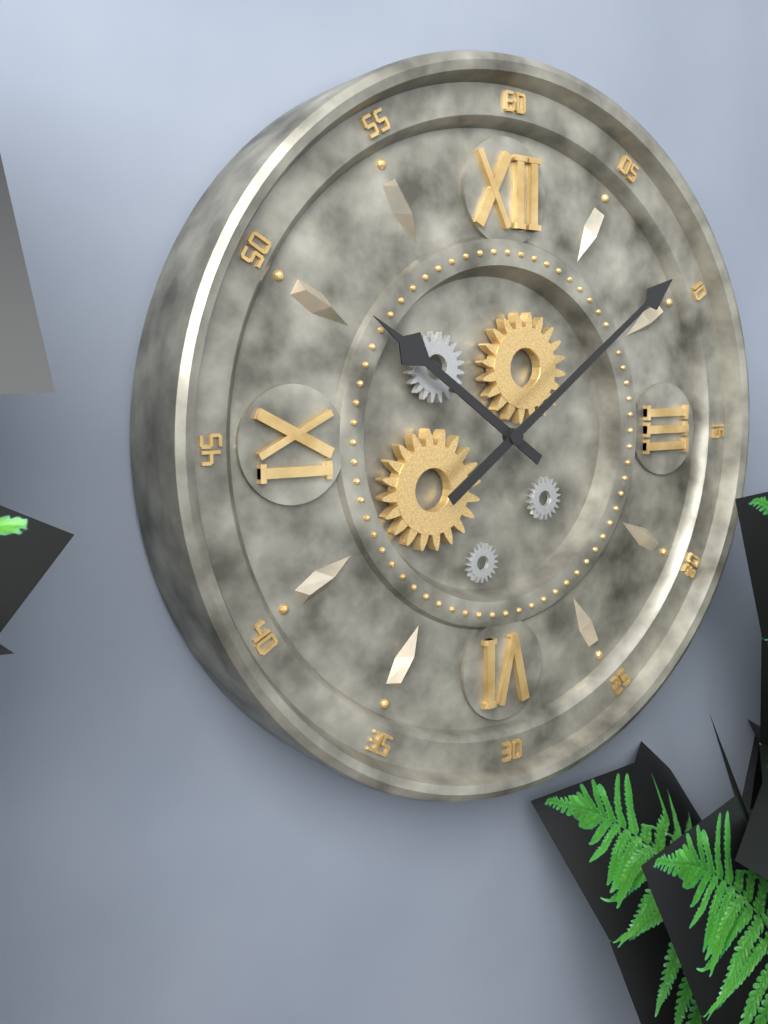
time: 10:09
